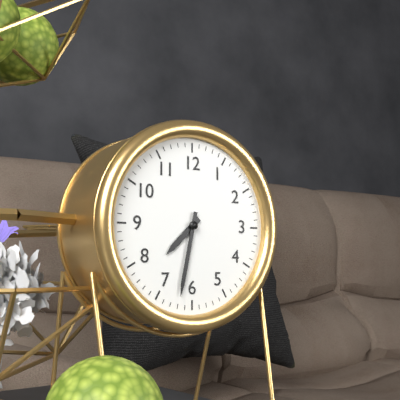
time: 7:32
